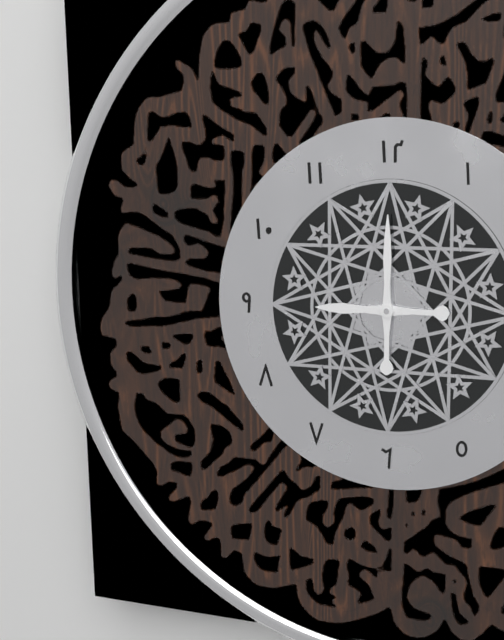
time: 9:00
